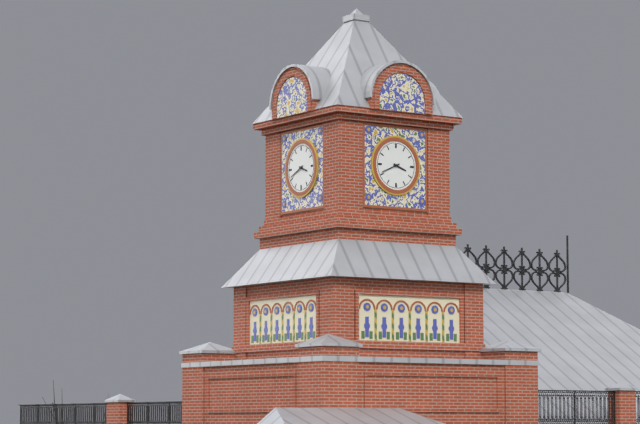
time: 3:41
